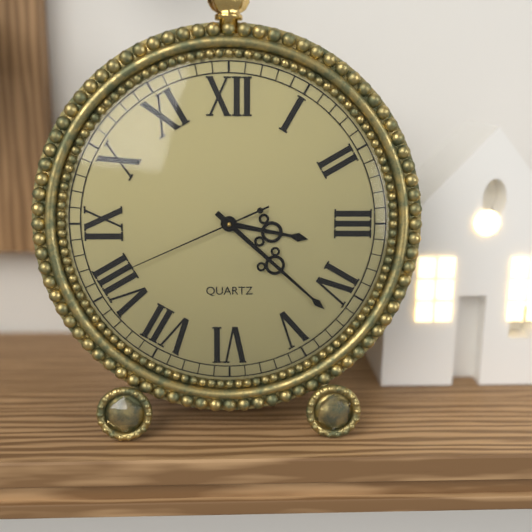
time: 3:22:41
